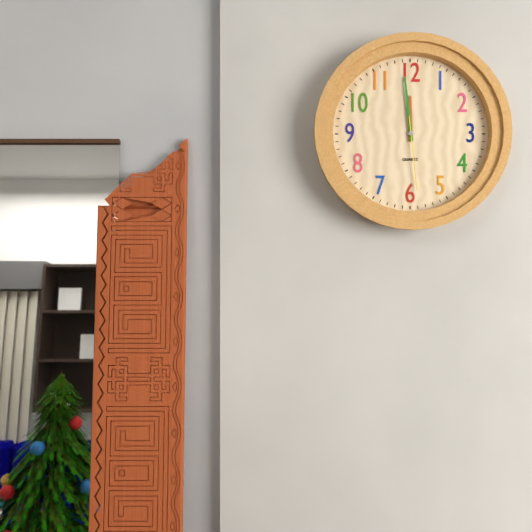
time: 11:59:29
